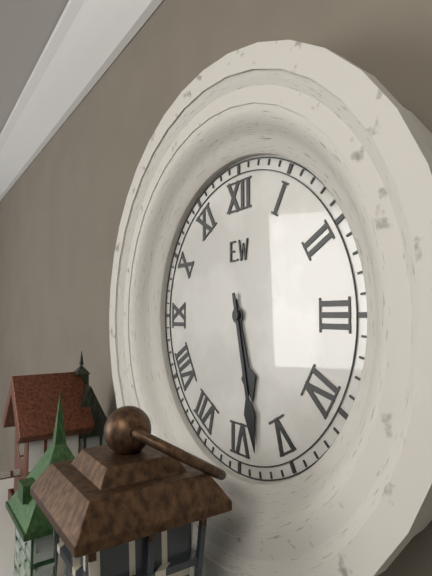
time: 5:28
